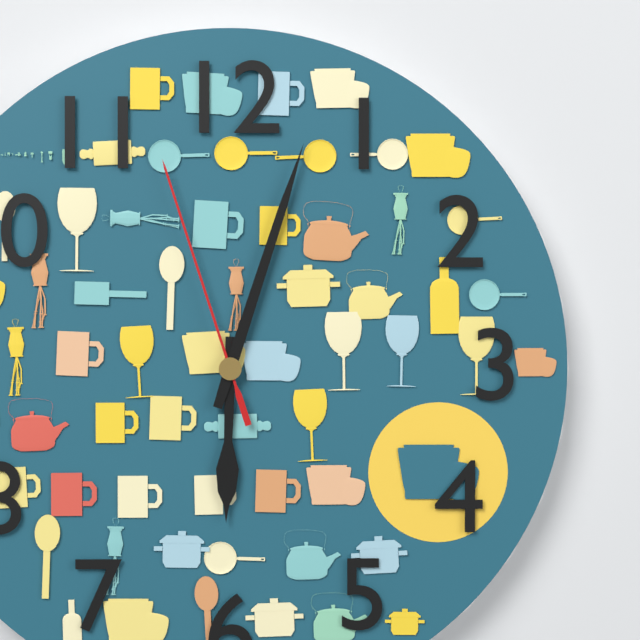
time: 6:03:57
